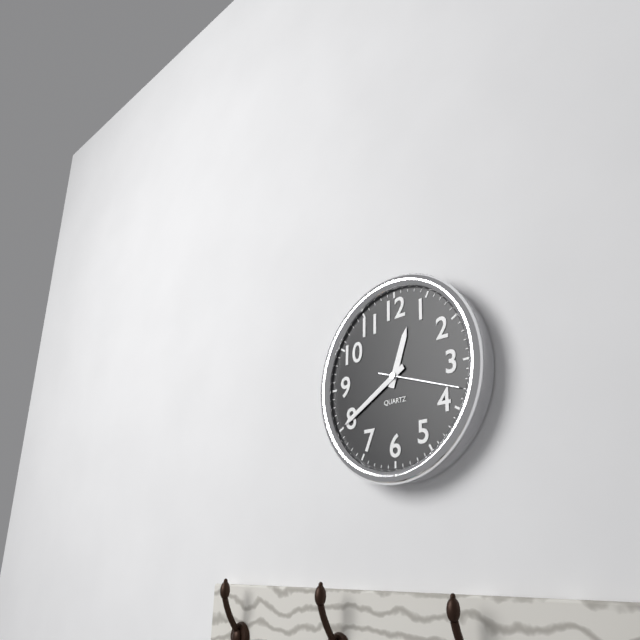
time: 12:40:18
